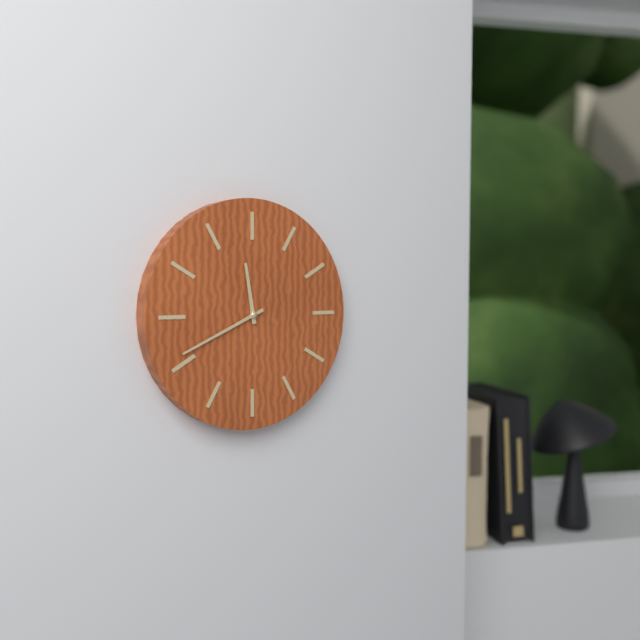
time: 11:41
